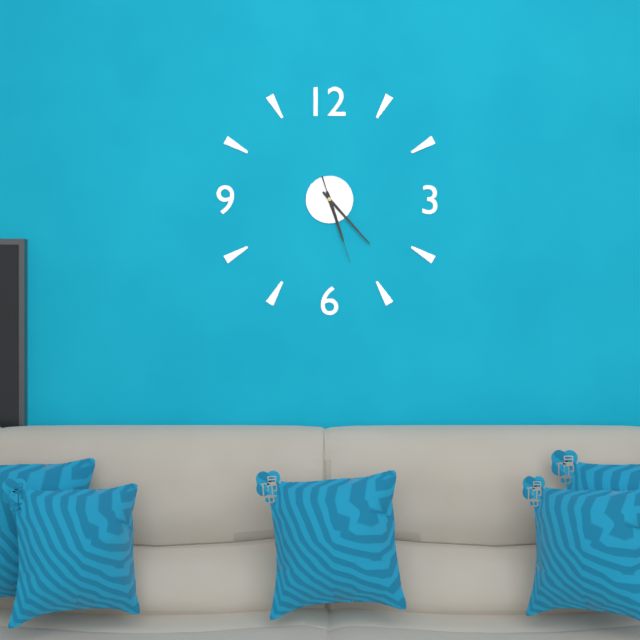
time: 5:23:27
